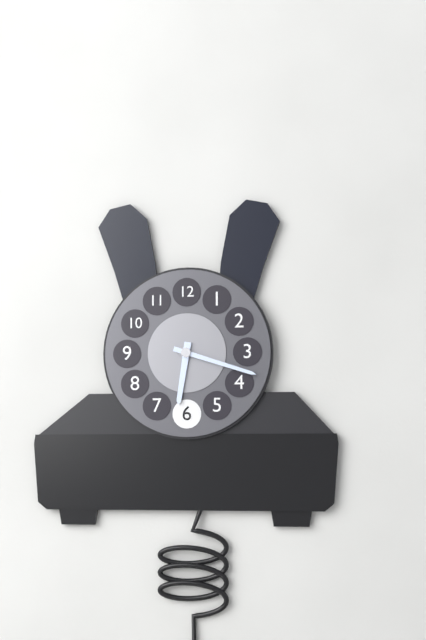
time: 6:18
